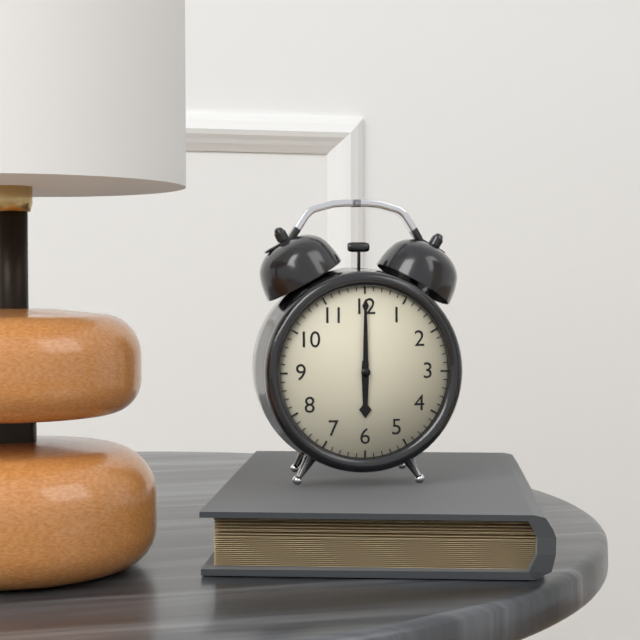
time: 6:00
